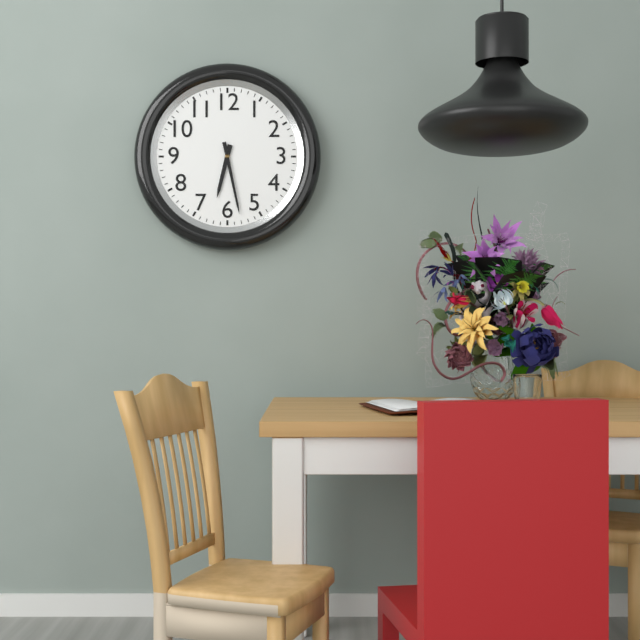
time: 6:28
